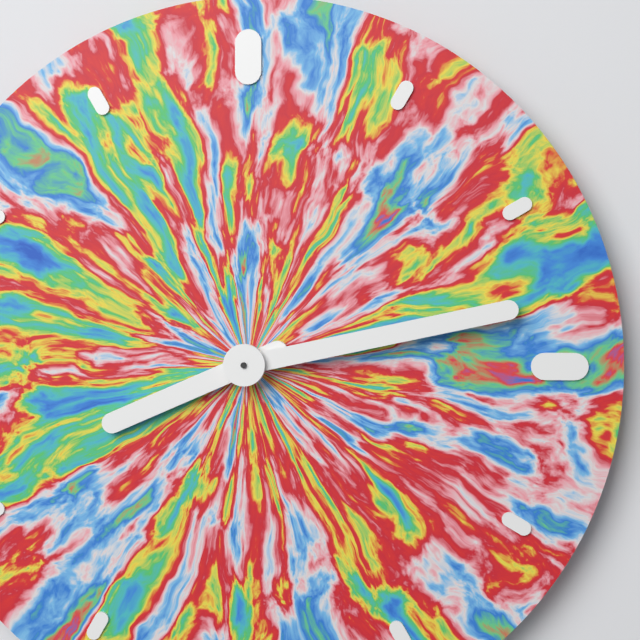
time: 8:13
